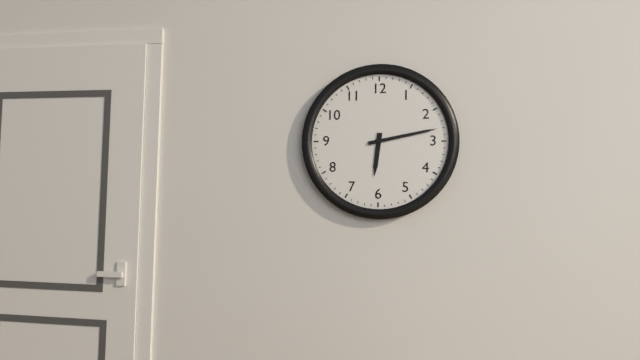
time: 6:13
